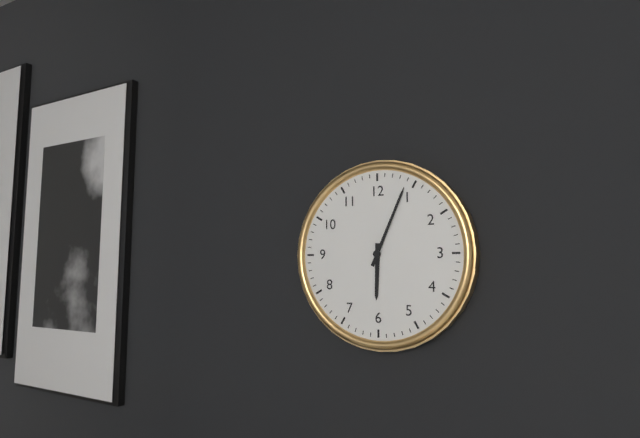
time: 6:04
